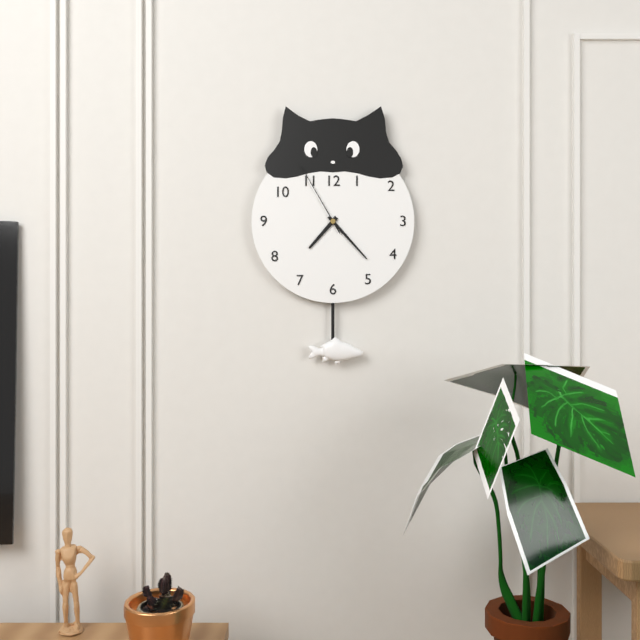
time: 7:23:55
